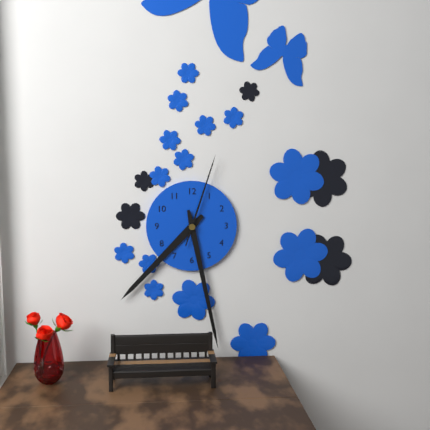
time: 7:28:03
